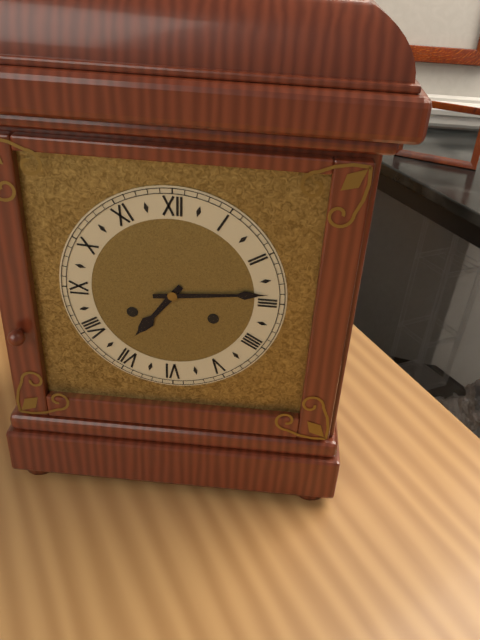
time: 7:14
